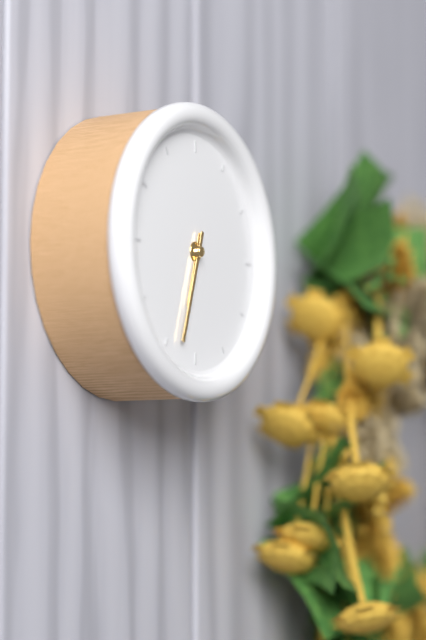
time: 6:33
